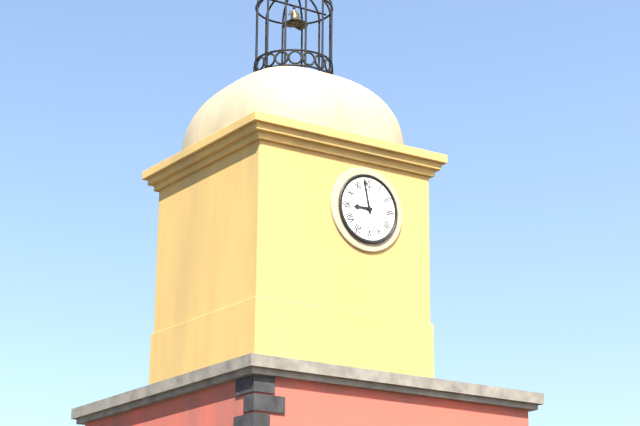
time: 8:58
